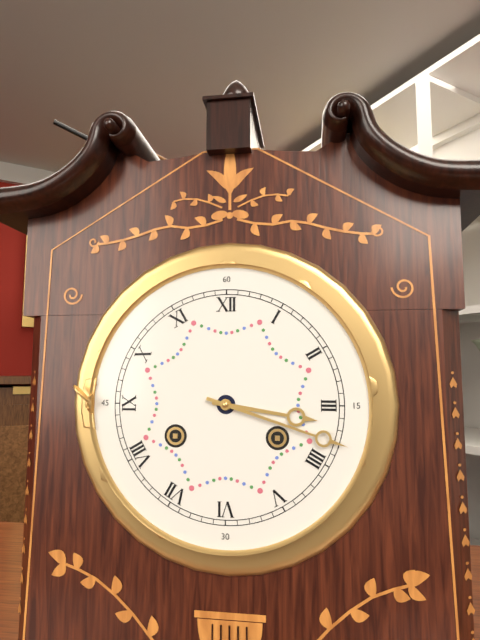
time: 3:18
